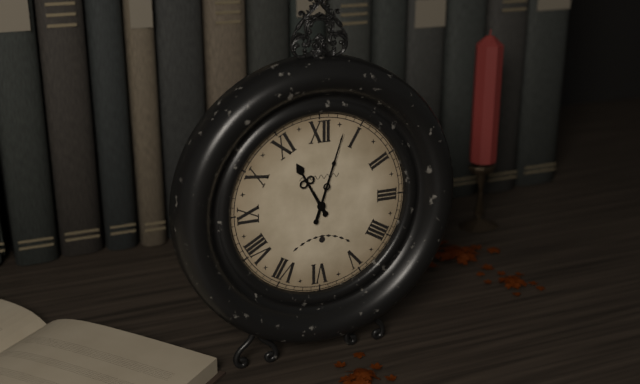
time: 11:03
